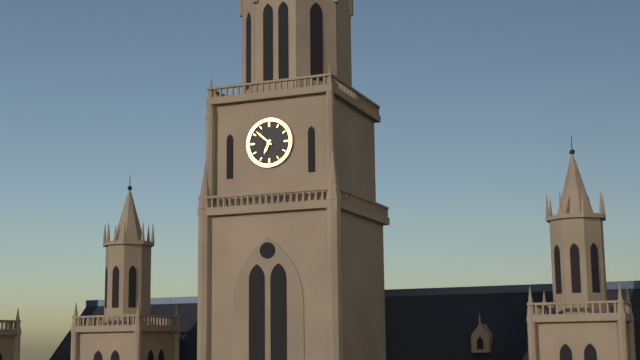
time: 6:52
